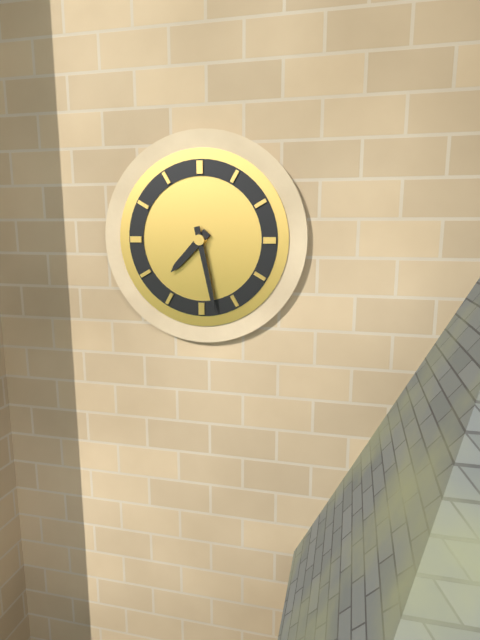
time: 7:28
